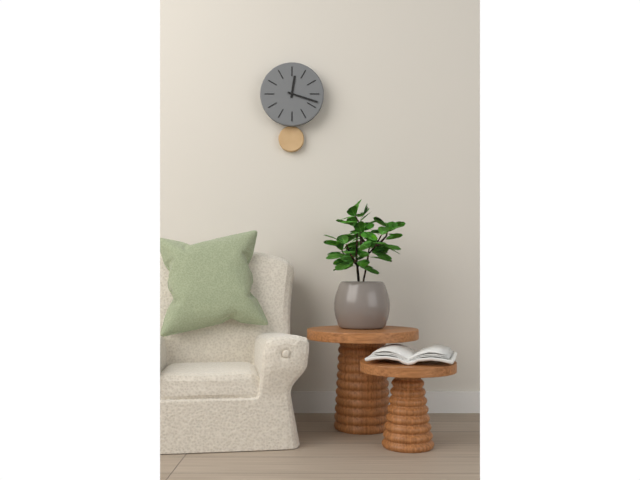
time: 12:18
